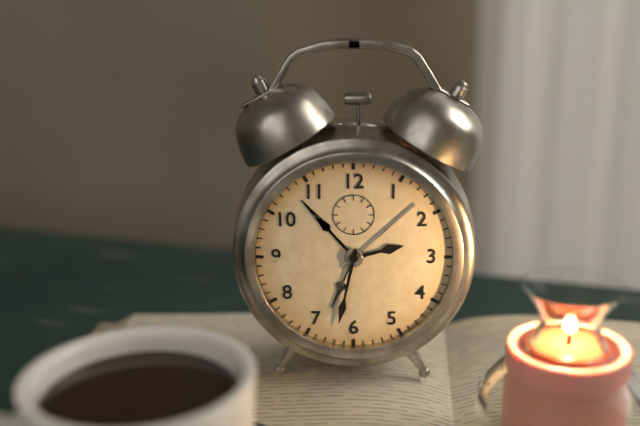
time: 2:32
